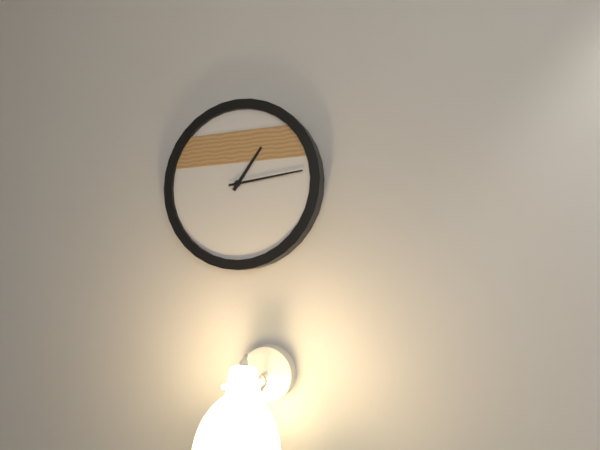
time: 1:14
